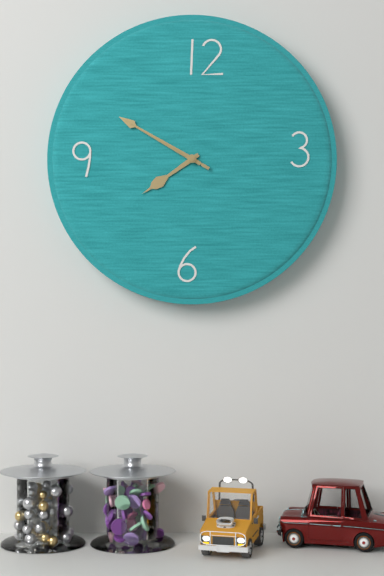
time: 7:50:50
